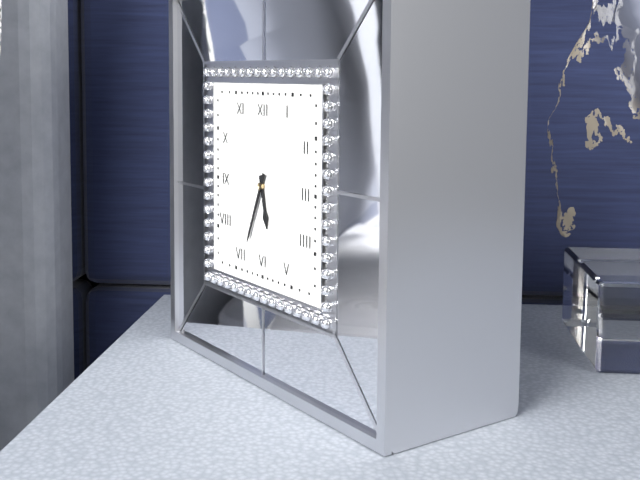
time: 5:34
